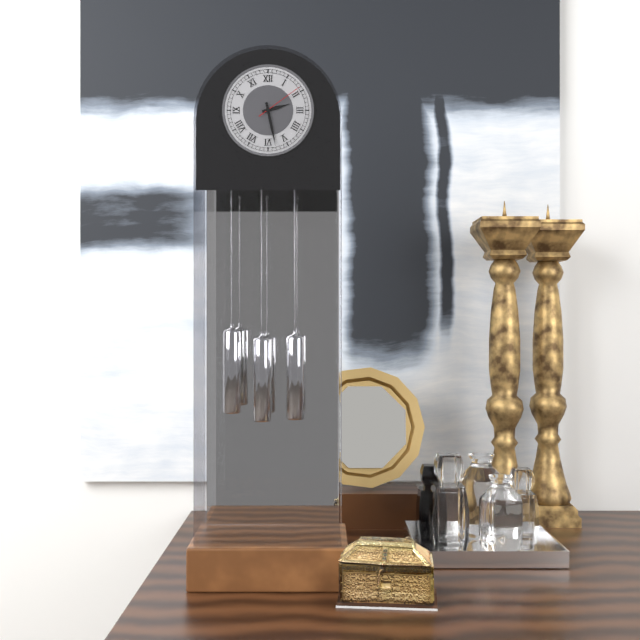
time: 2:28
